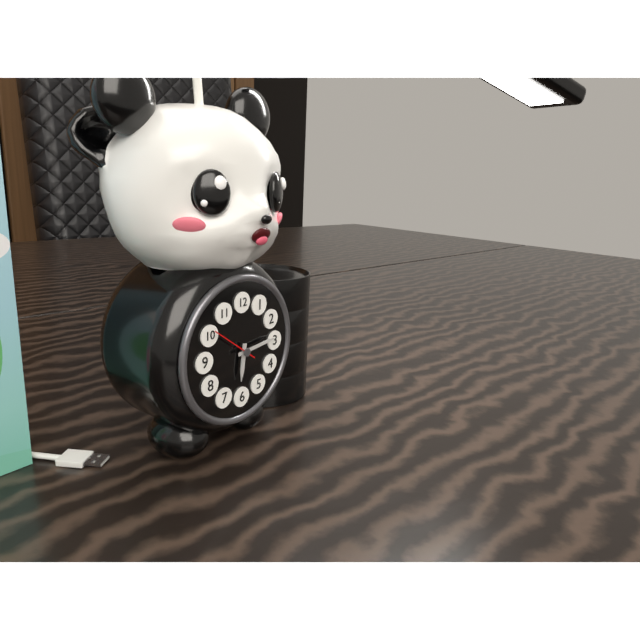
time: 6:14
